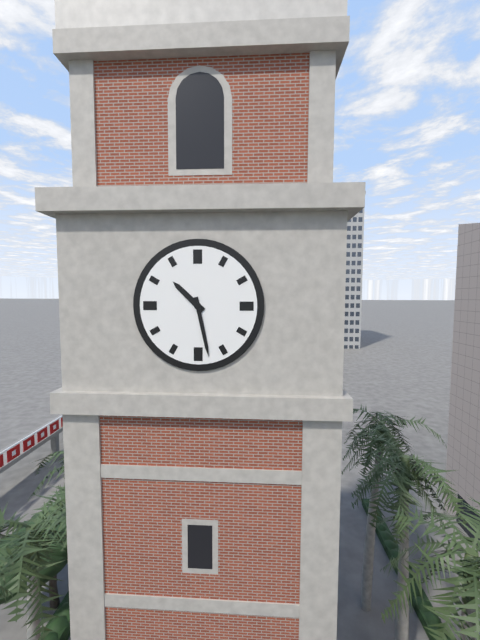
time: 10:28
